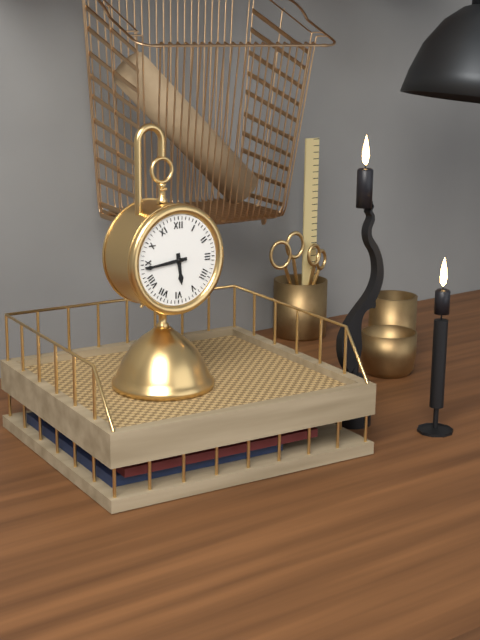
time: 5:44
